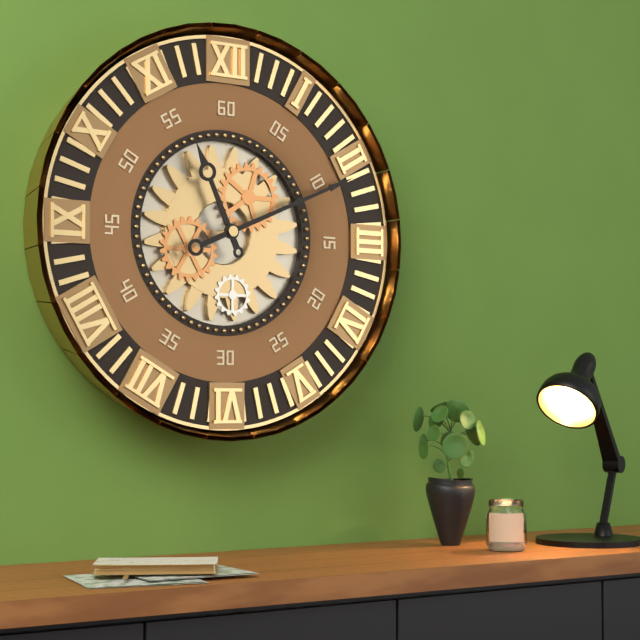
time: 11:11
